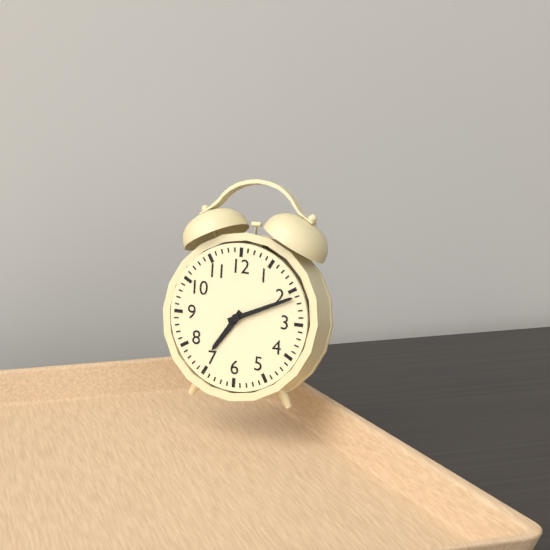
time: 7:11
